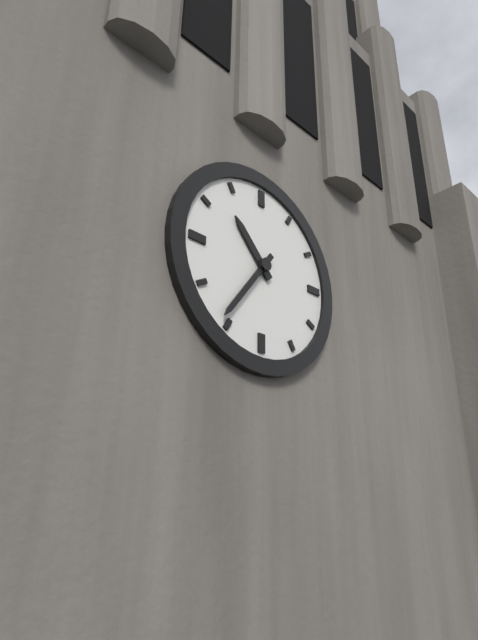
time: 10:36
